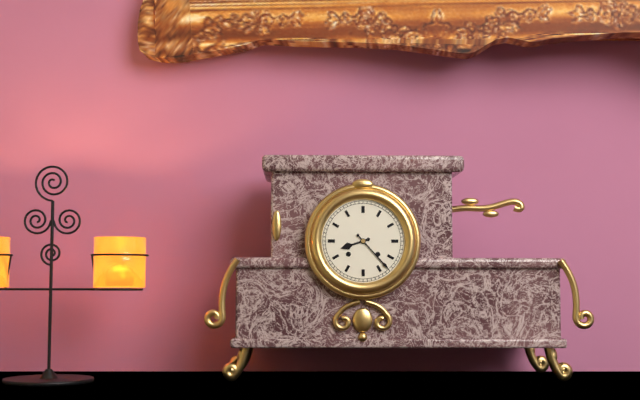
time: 8:23
